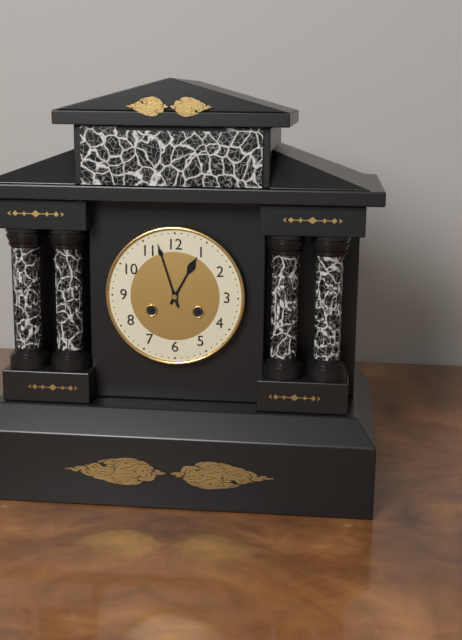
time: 12:57
